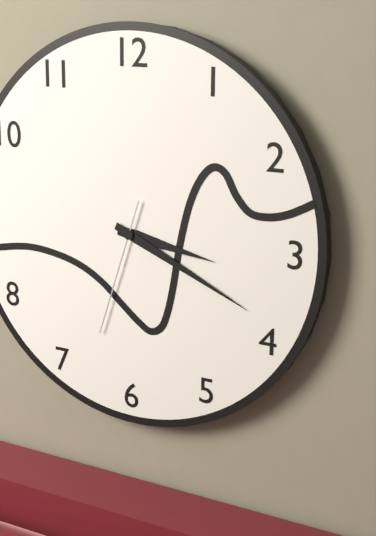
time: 3:19:33
